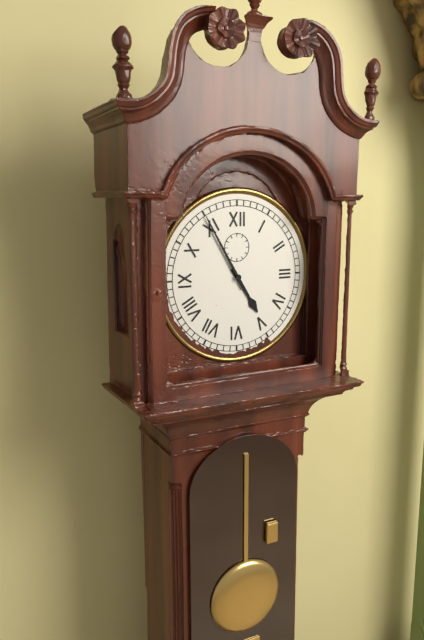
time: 4:55
